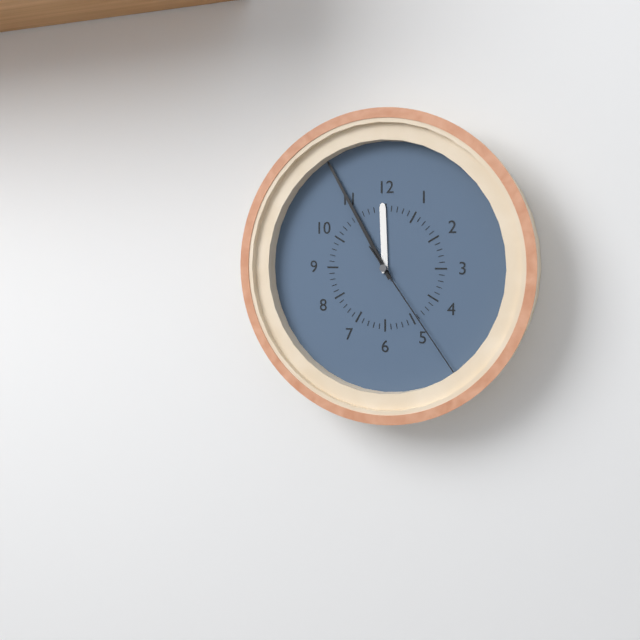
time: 11:55:24
